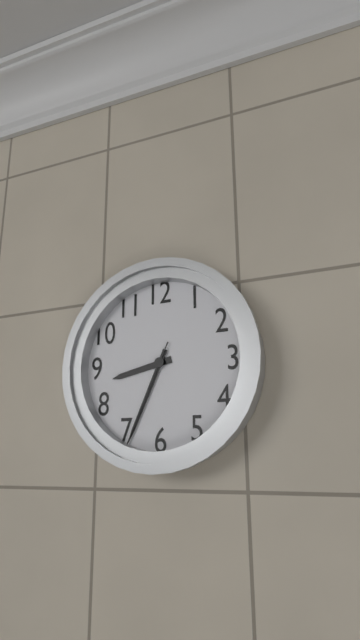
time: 8:34:34
